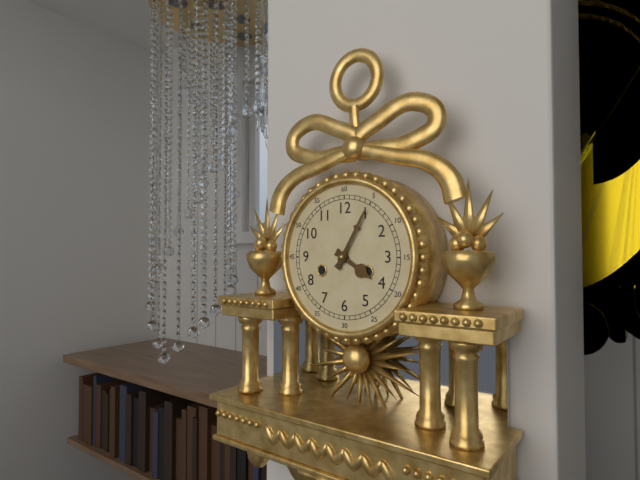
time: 4:05
